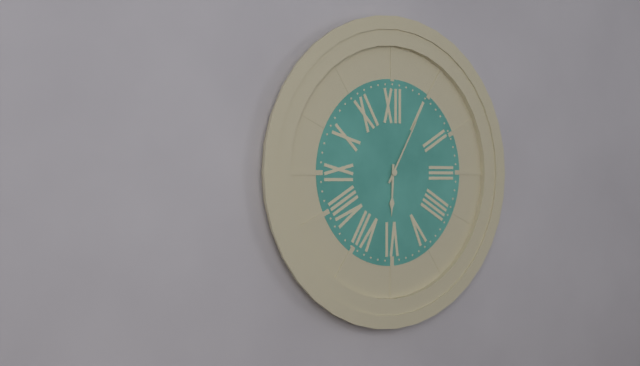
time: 6:05
